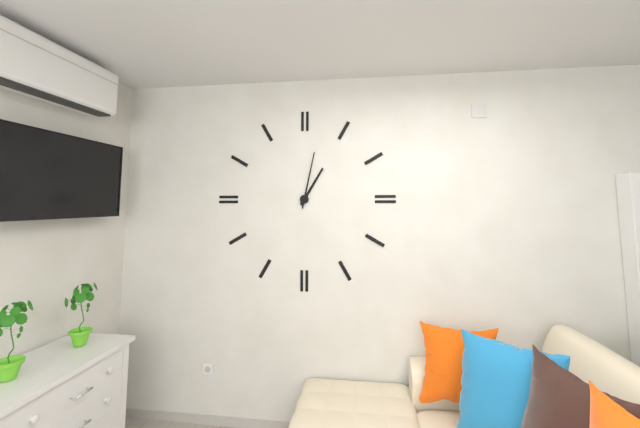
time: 1:02
